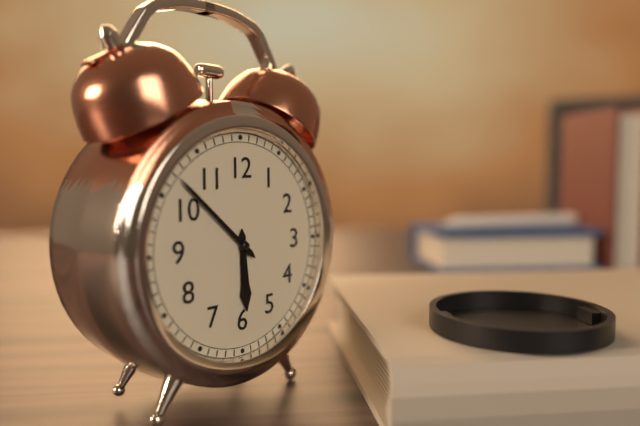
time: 5:52
